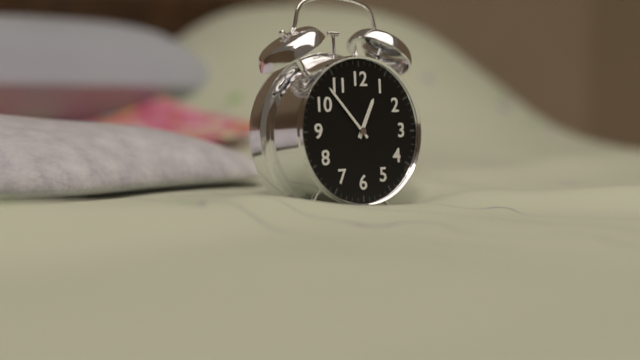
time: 12:53
